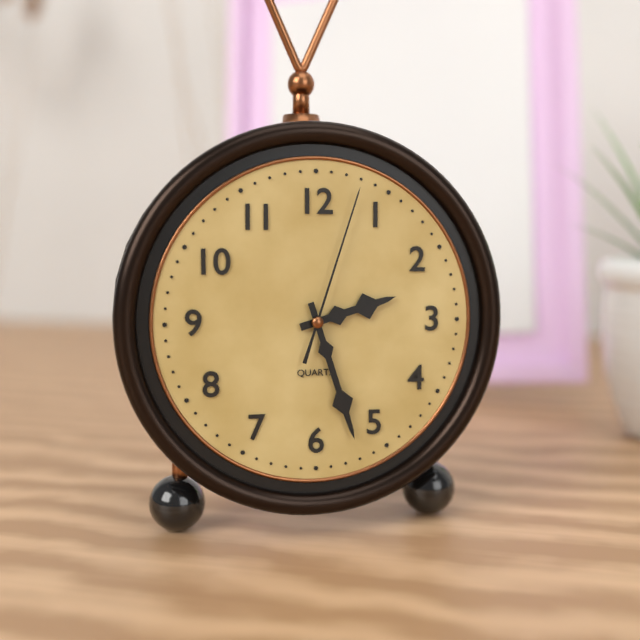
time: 2:27:03
